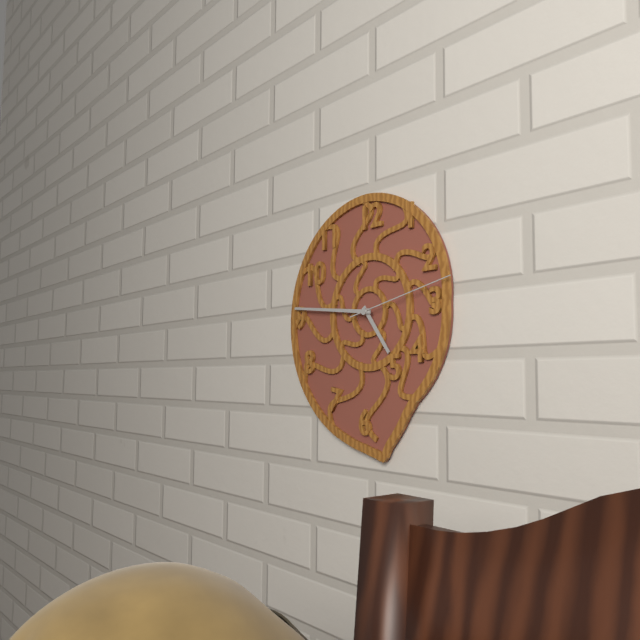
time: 4:46:13
